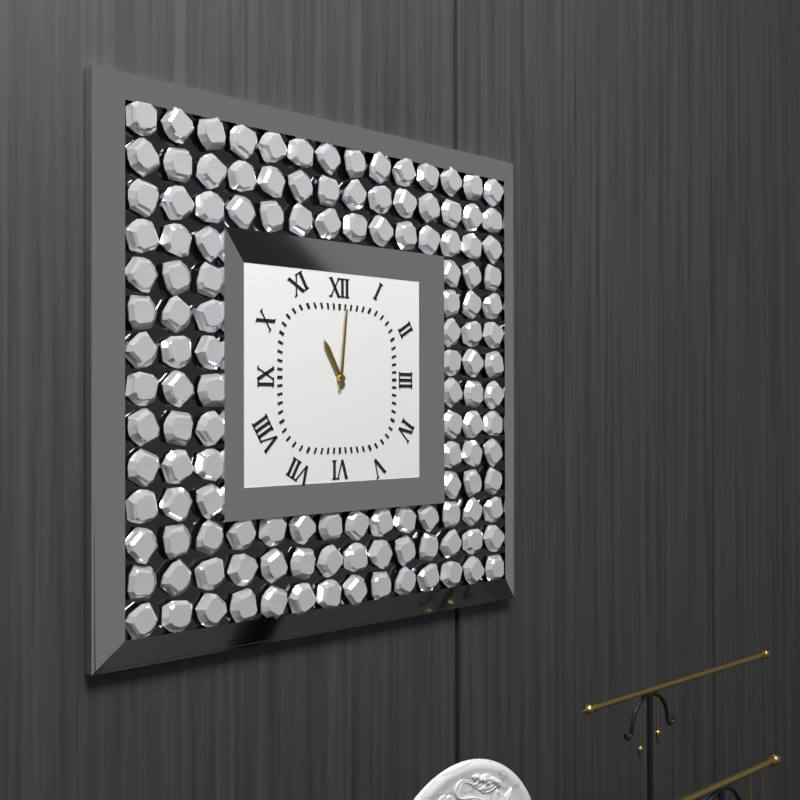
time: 11:01
